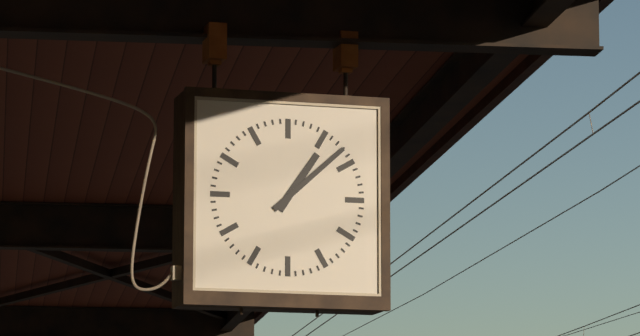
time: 1:08
